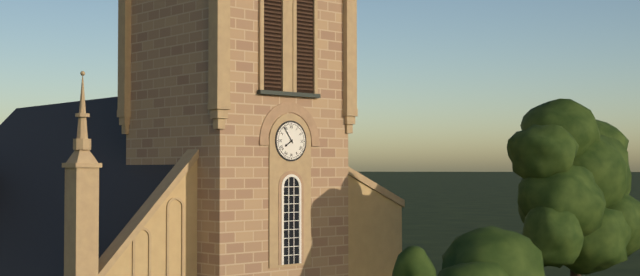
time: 7:54
